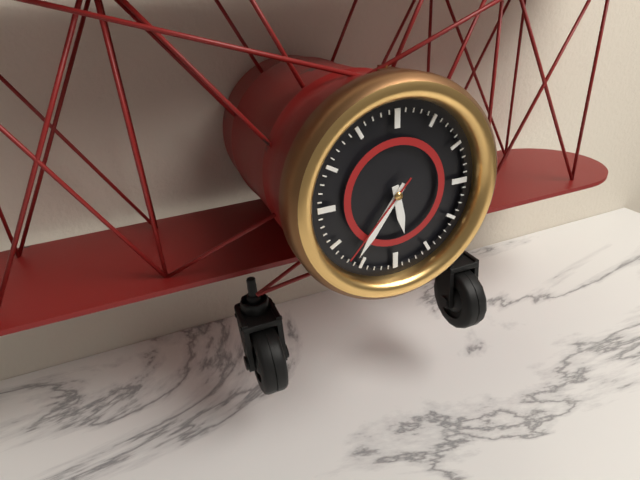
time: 5:36:37
